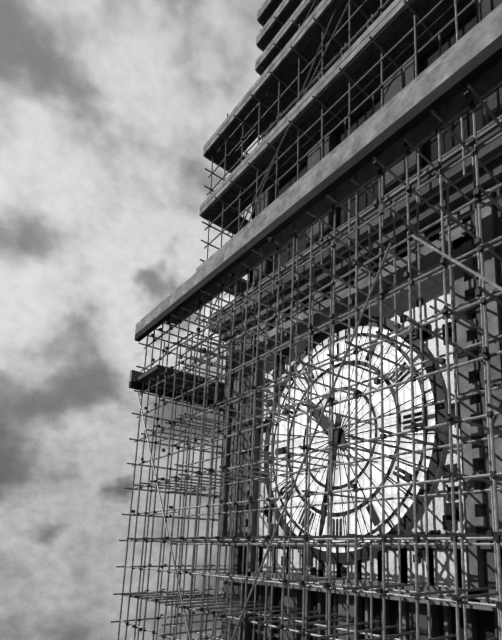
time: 10:32
